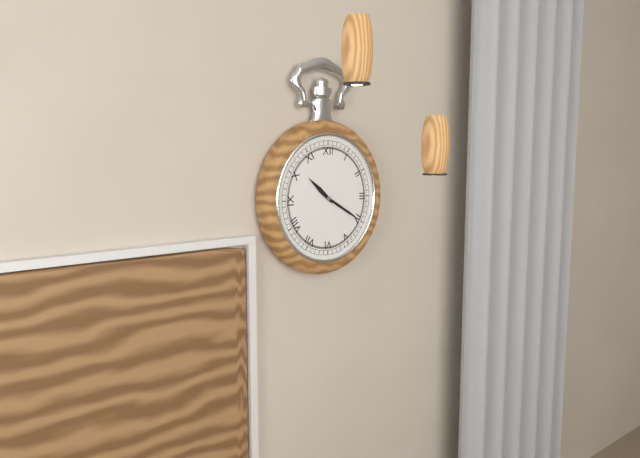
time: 10:20
